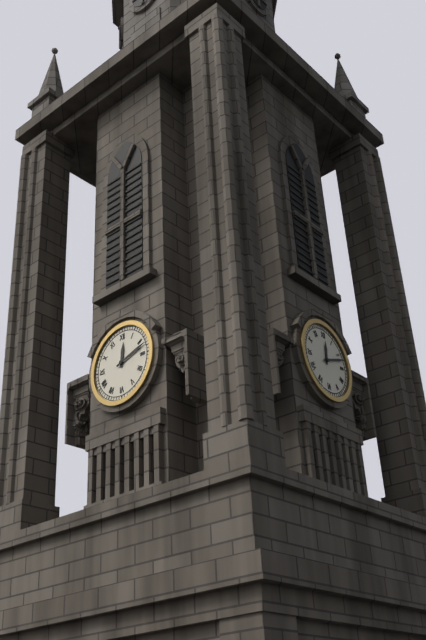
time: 12:12
